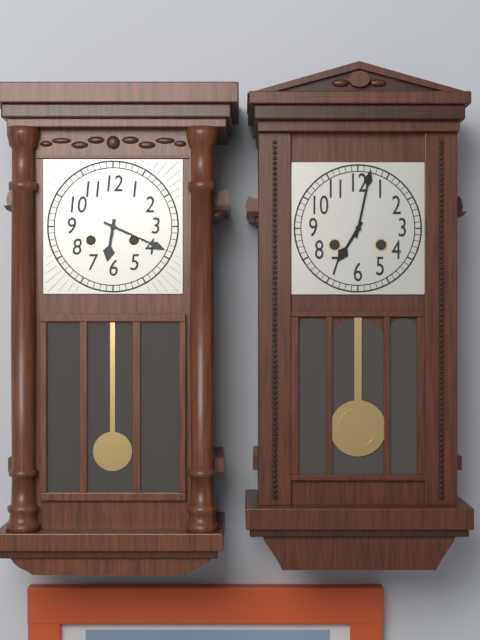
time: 6:19
